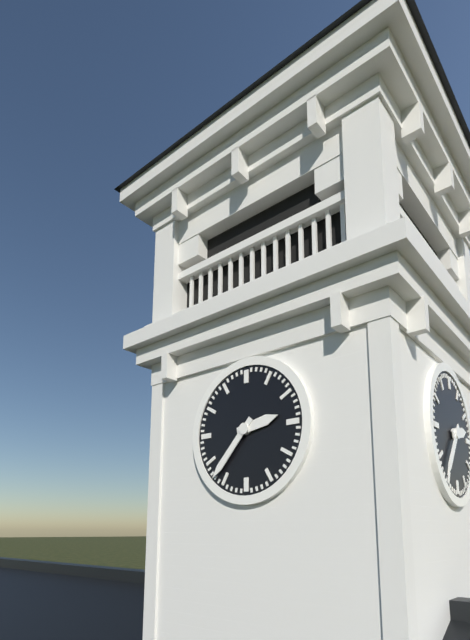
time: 2:37
